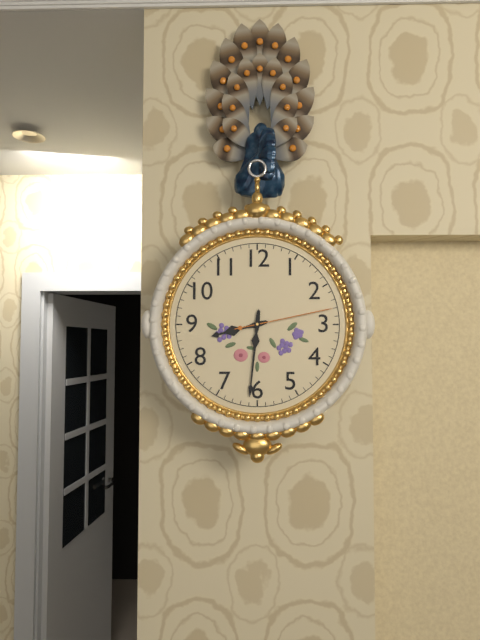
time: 8:31:13
